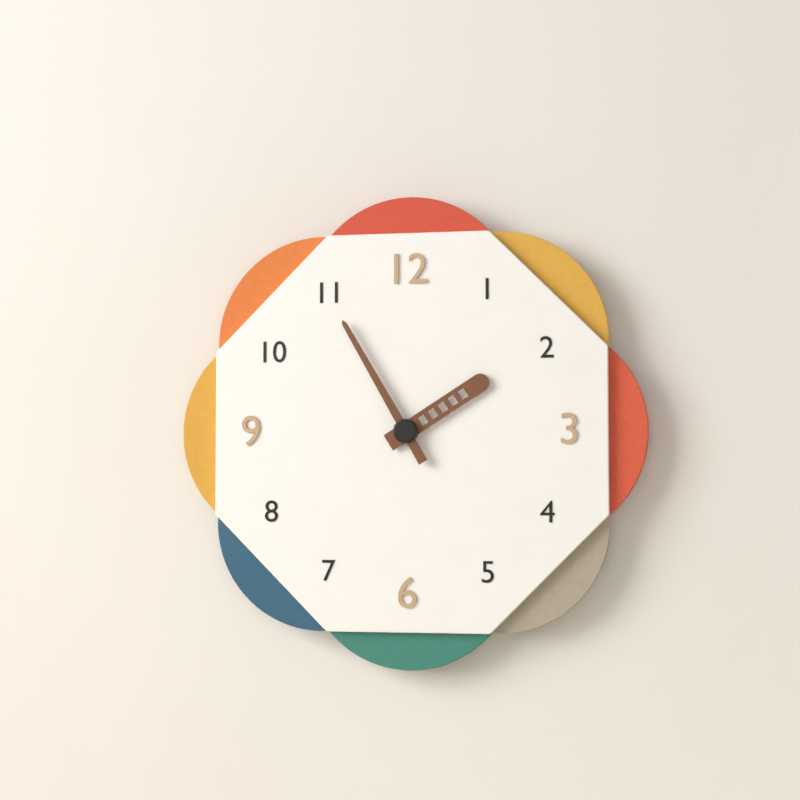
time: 1:55
